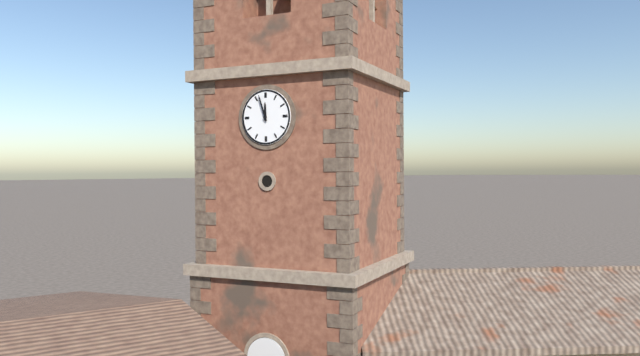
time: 11:57
